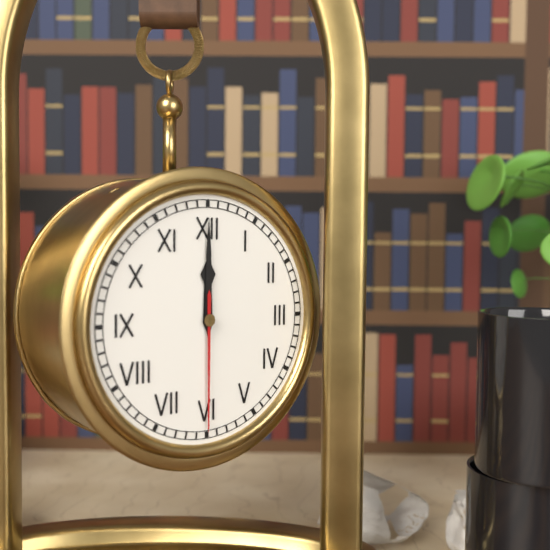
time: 12:00:30
